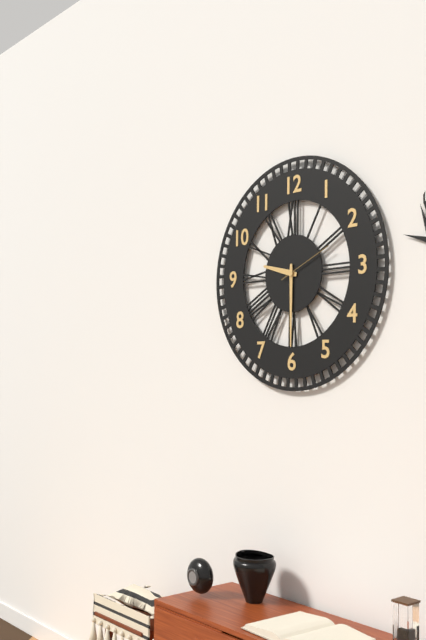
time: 9:30:11
